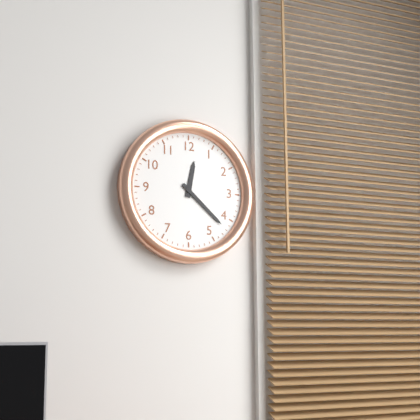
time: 12:22
